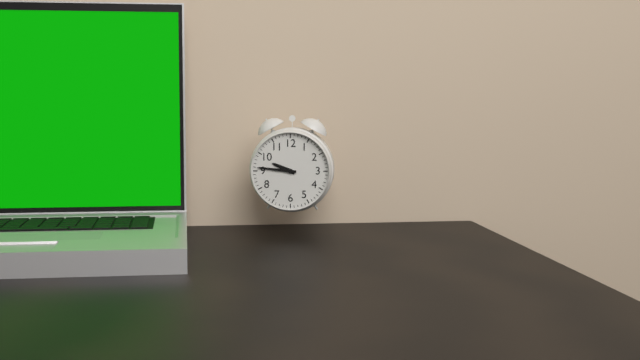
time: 9:46
